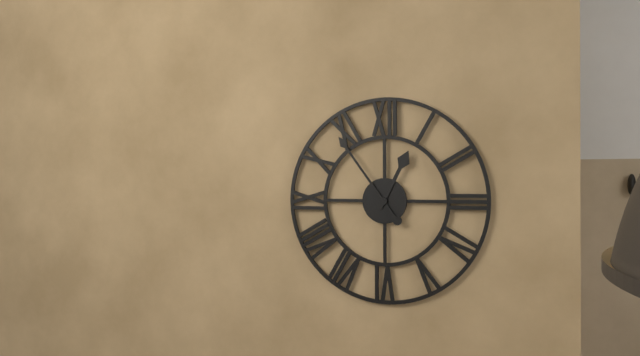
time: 12:54
